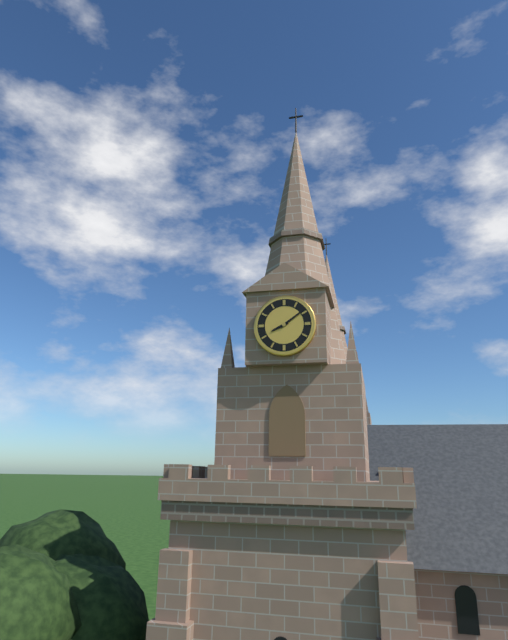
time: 8:09
